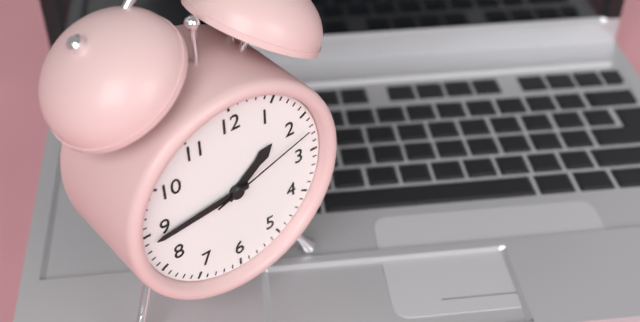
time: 1:44:12
